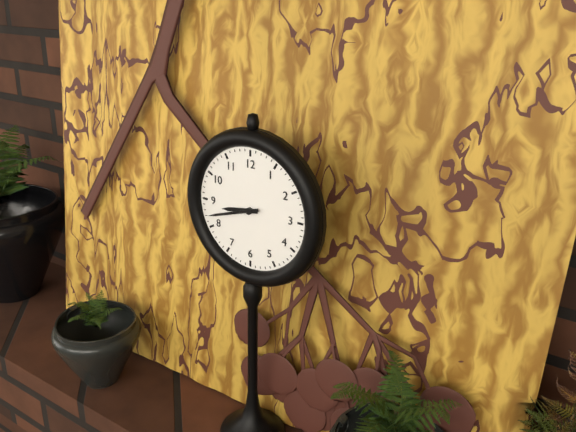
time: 8:42
